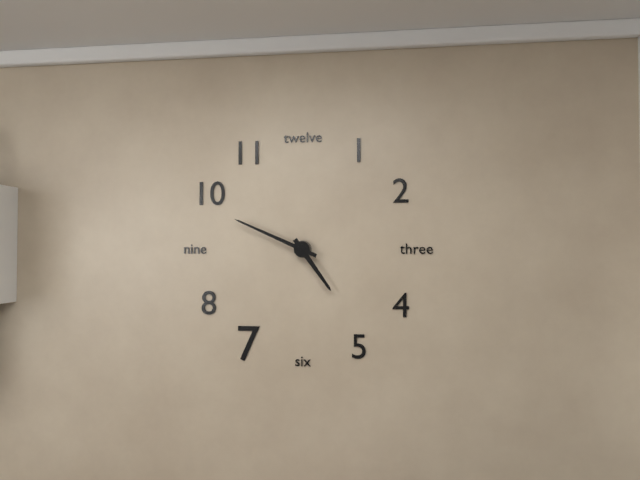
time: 4:49
